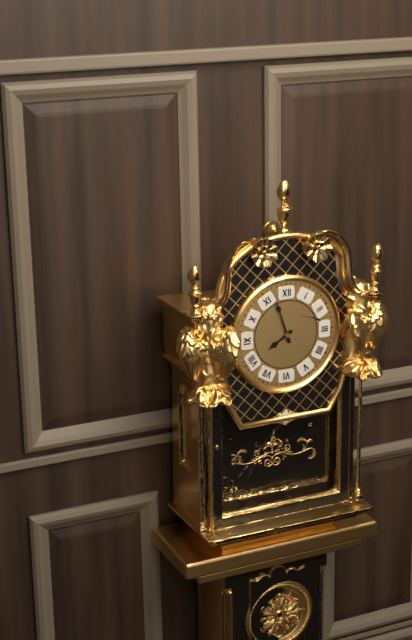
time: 7:57
